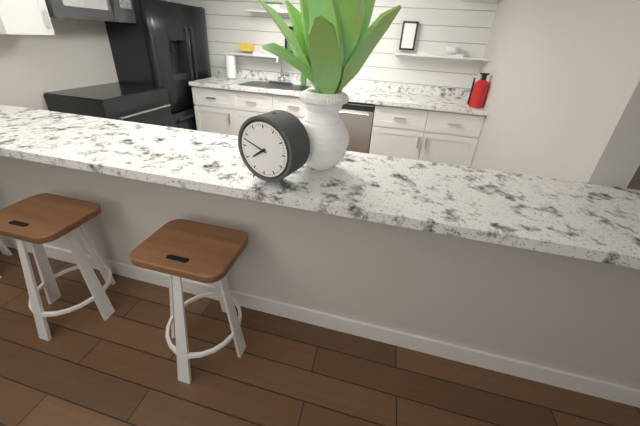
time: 7:48
